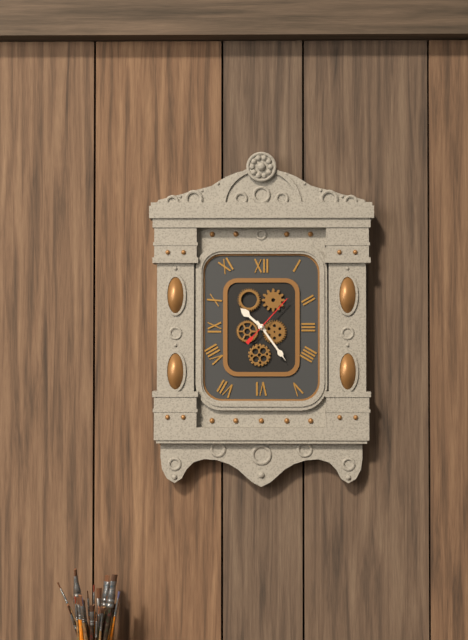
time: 10:24
